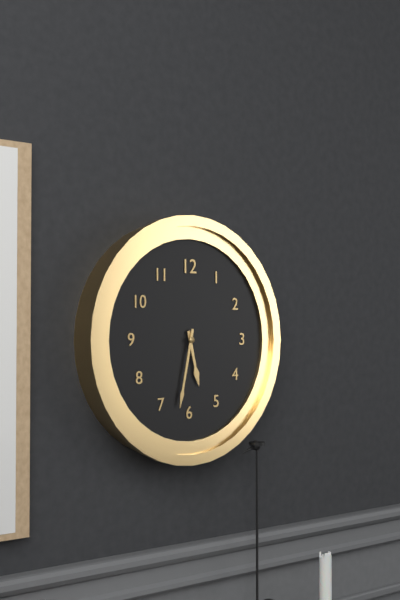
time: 5:32
